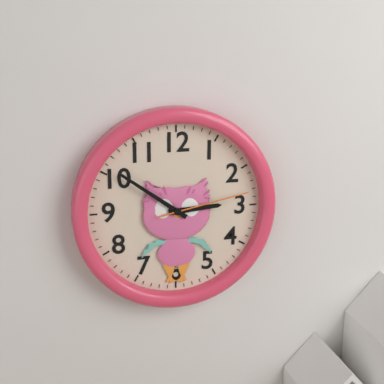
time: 2:51:13
